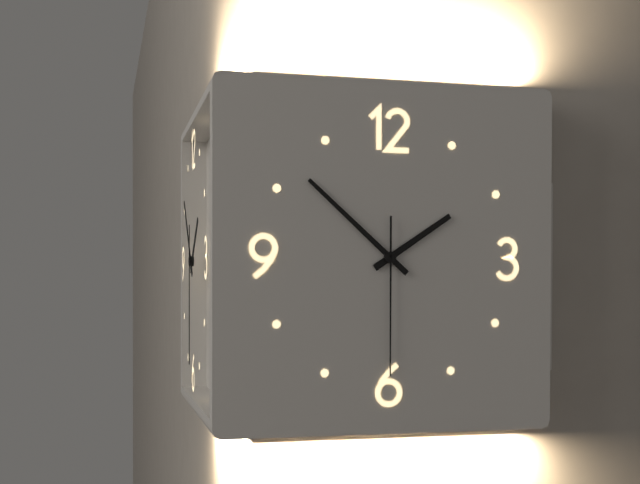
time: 1:52:30
